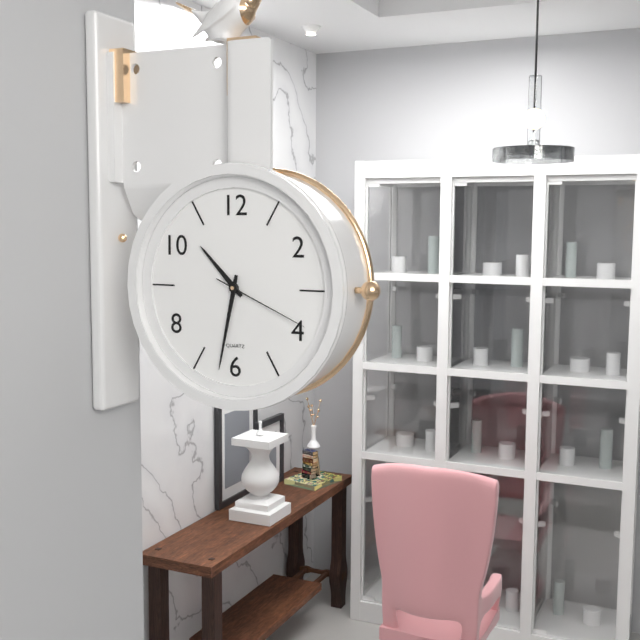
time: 10:32:19
